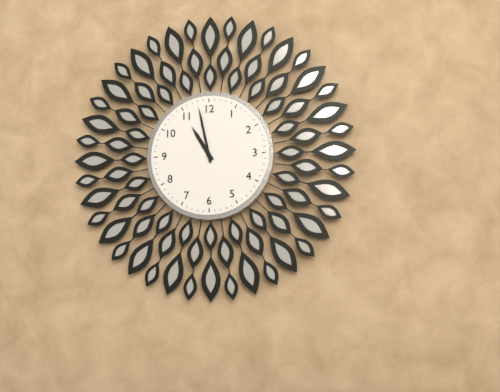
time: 10:58
